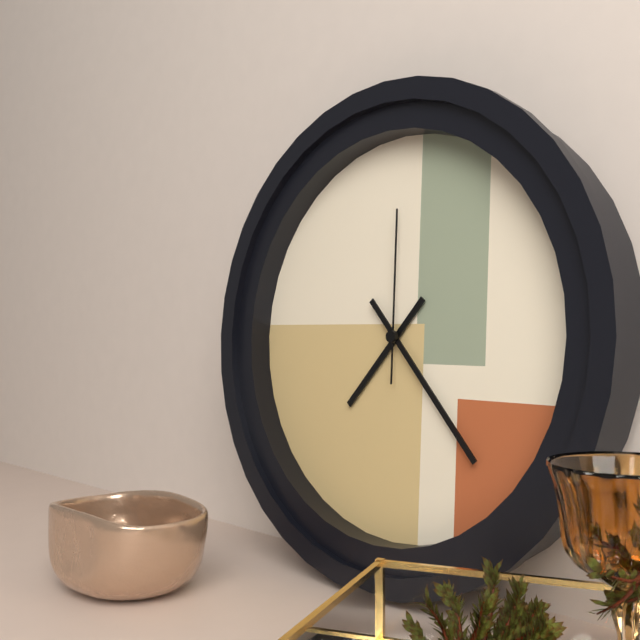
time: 7:23:00
